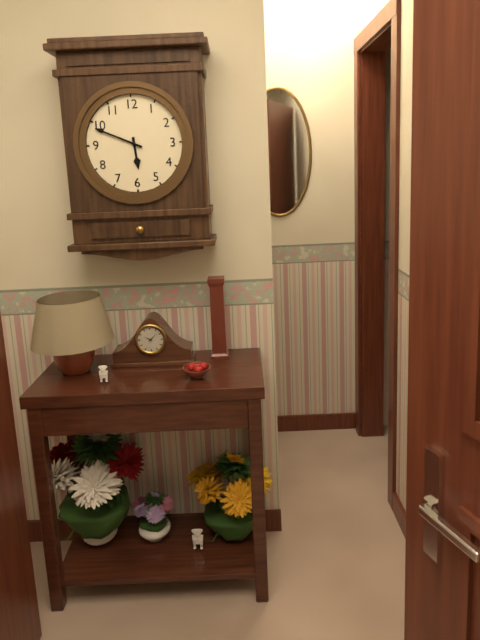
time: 5:49
